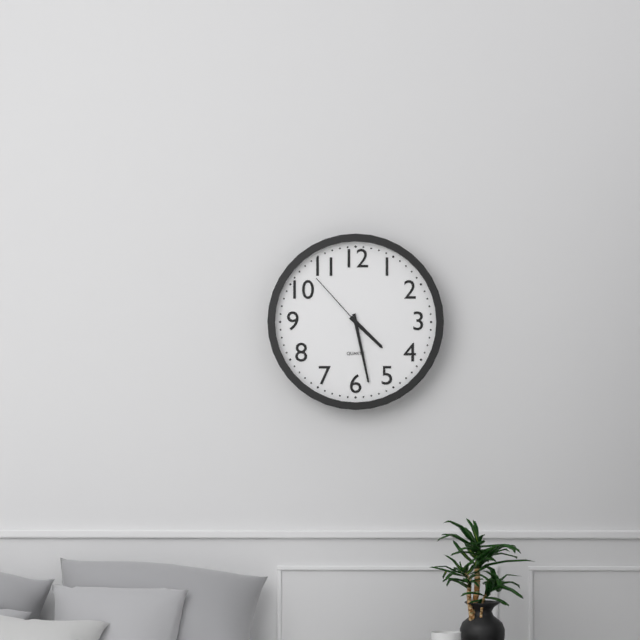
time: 4:28:53
